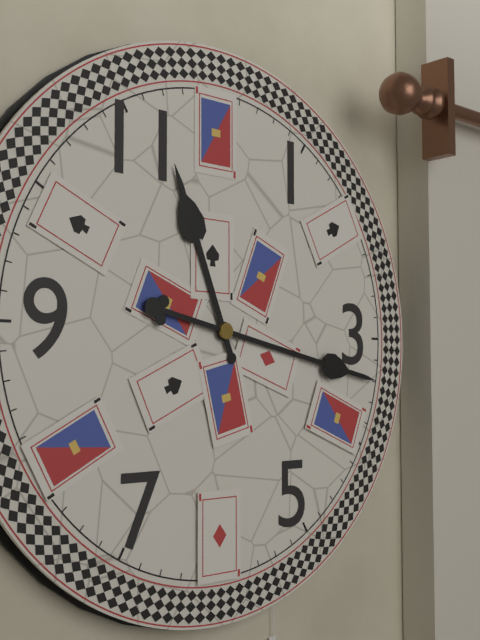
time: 11:17
